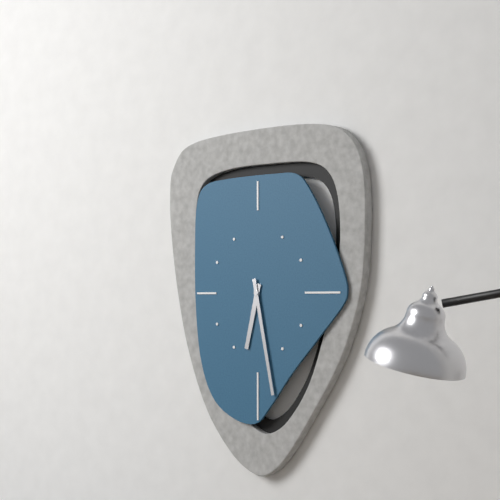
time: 6:28
